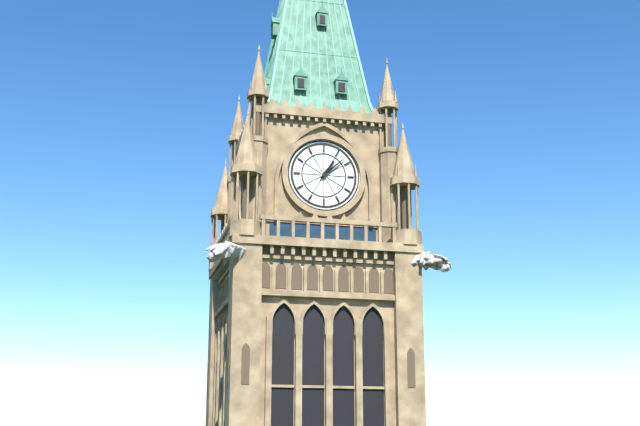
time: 1:08
